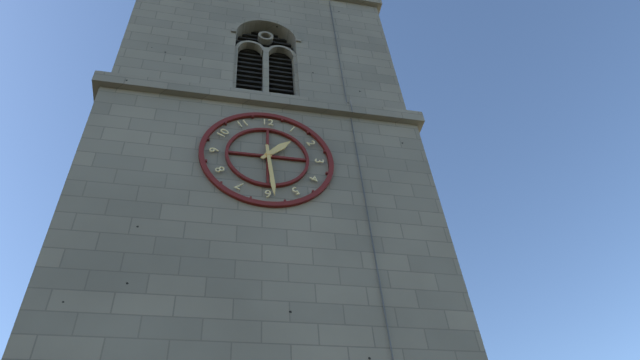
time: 1:29
